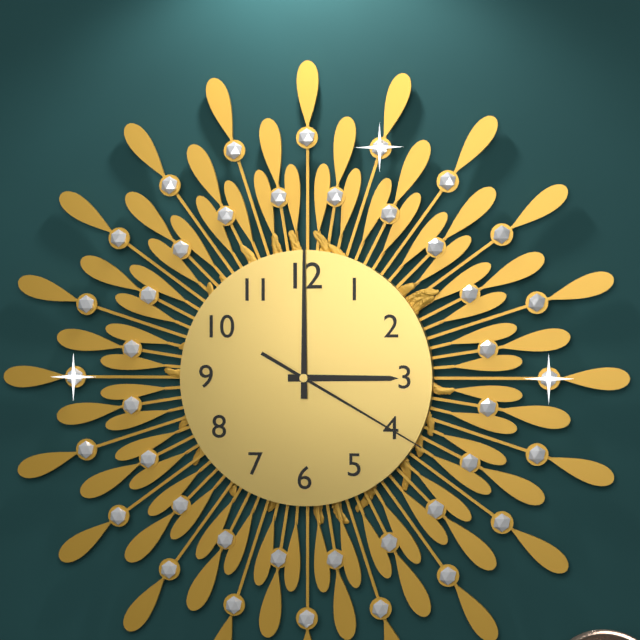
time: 3:00:20
